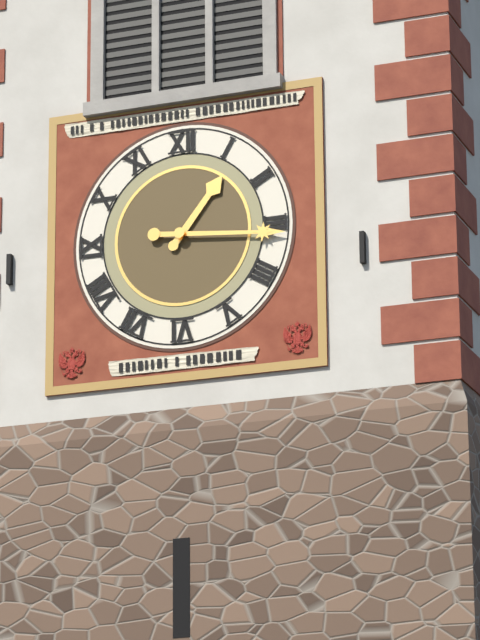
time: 1:16
